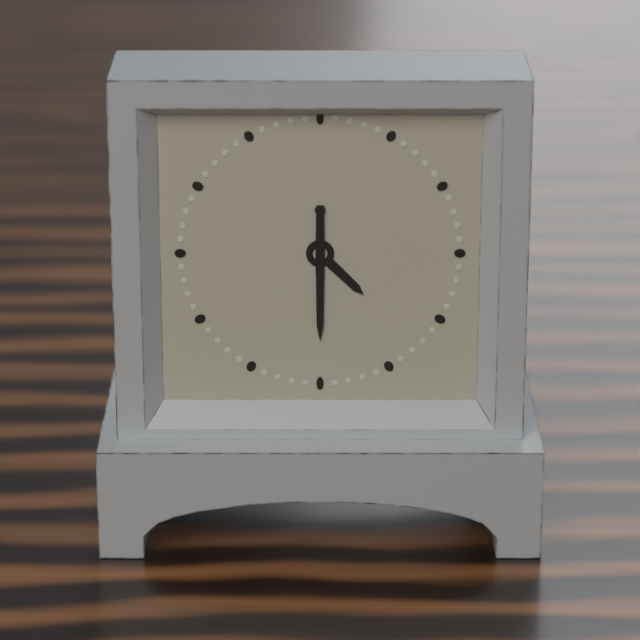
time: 4:30
